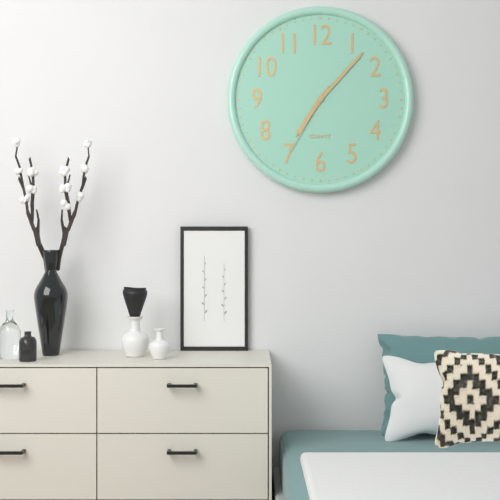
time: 7:07:35
